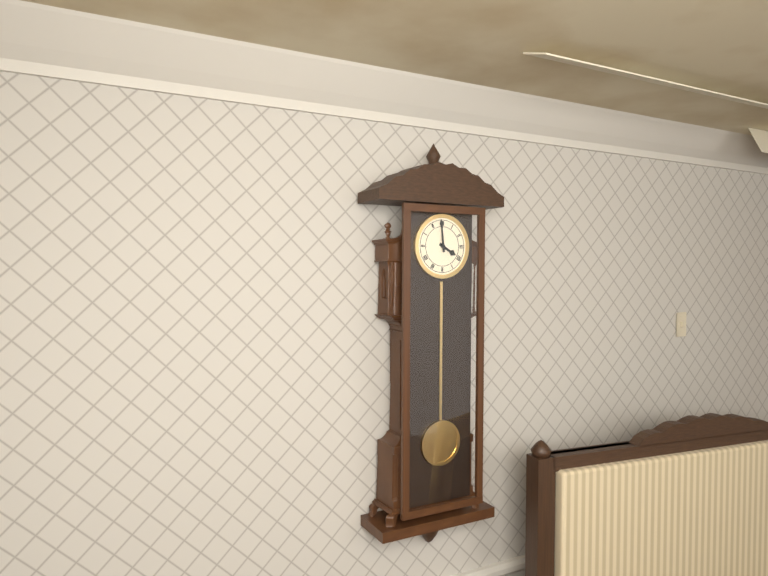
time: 3:59
